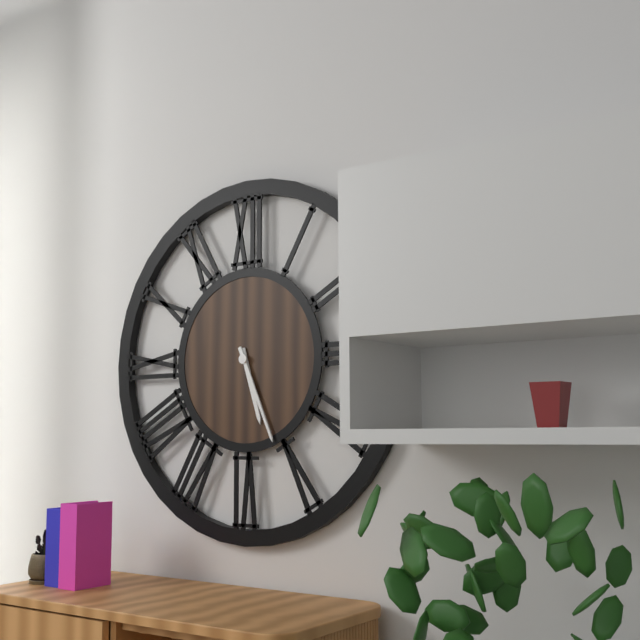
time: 5:26
